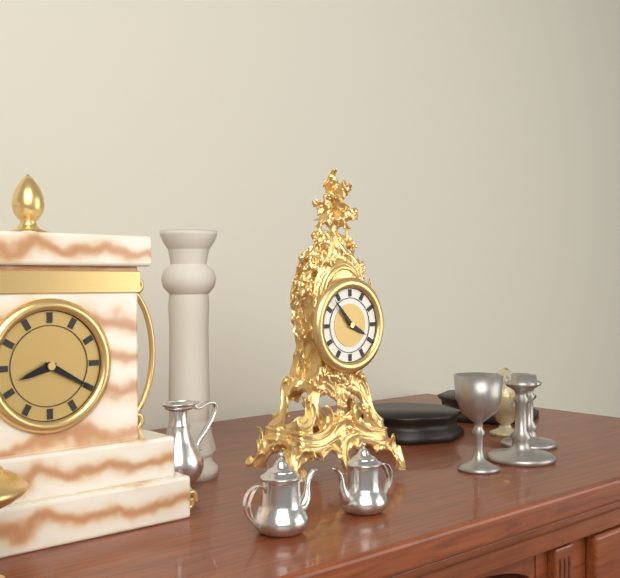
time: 3:53
